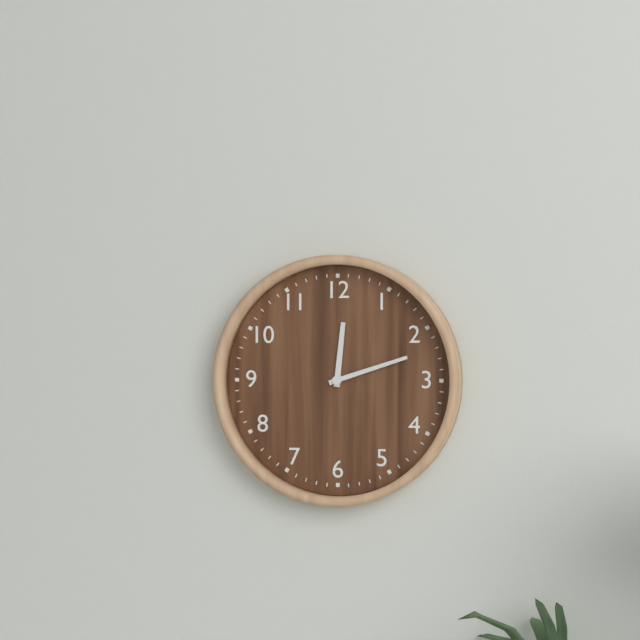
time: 12:12
